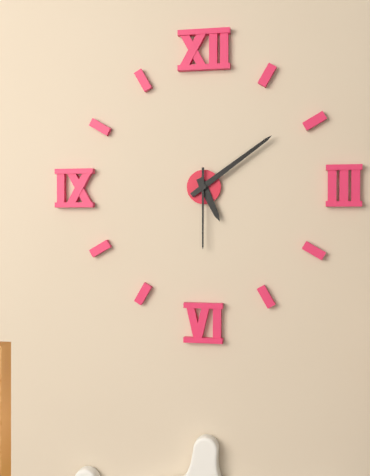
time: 5:09:30
